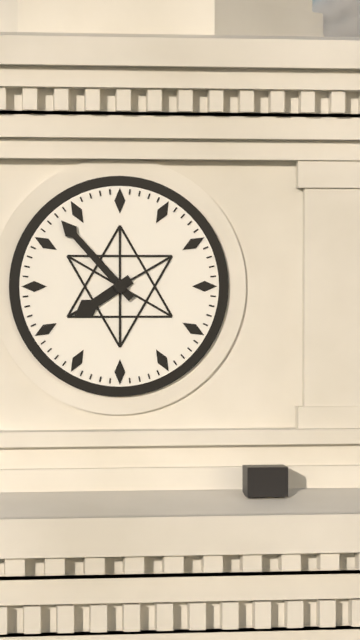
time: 7:53
